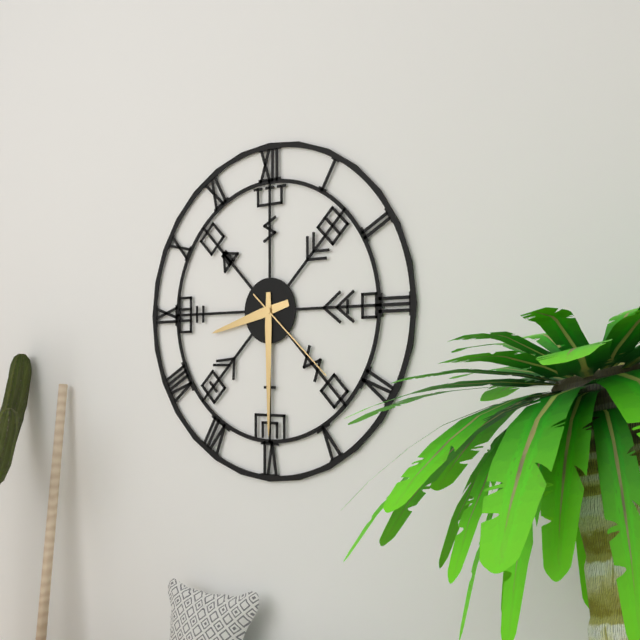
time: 8:30:22
